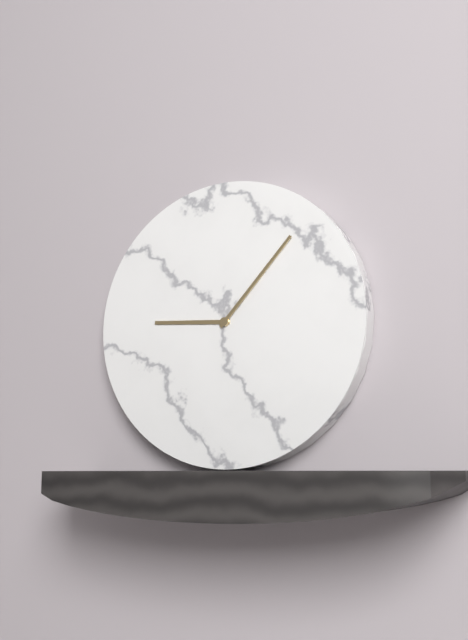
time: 9:07
